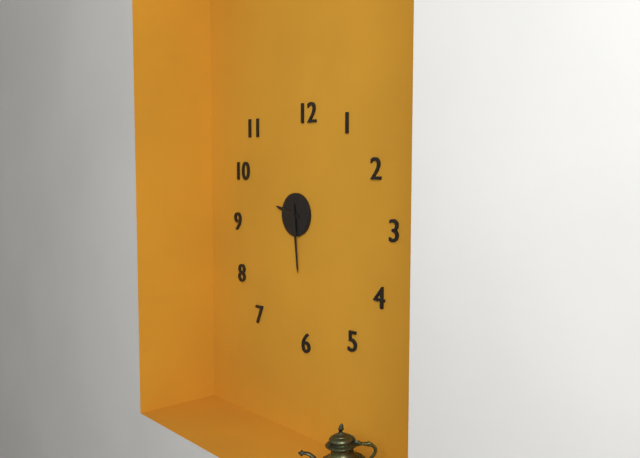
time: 9:29
